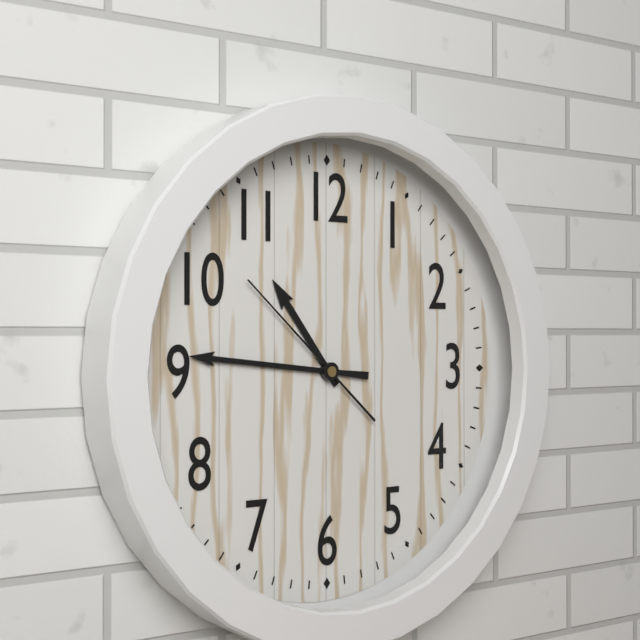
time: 10:46:52
